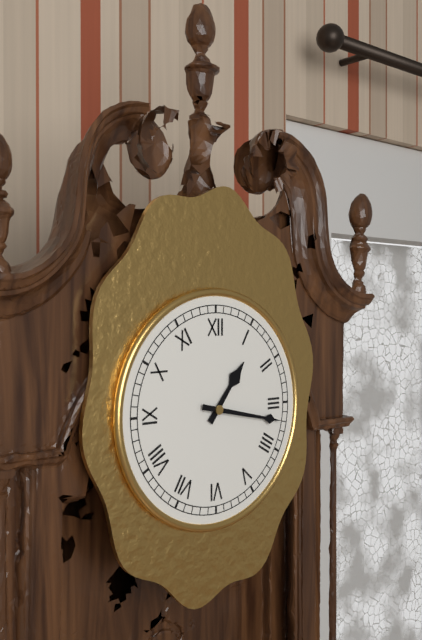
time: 1:17
